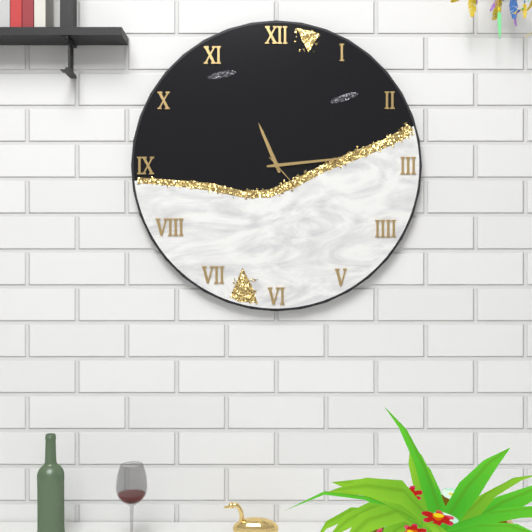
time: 11:14
